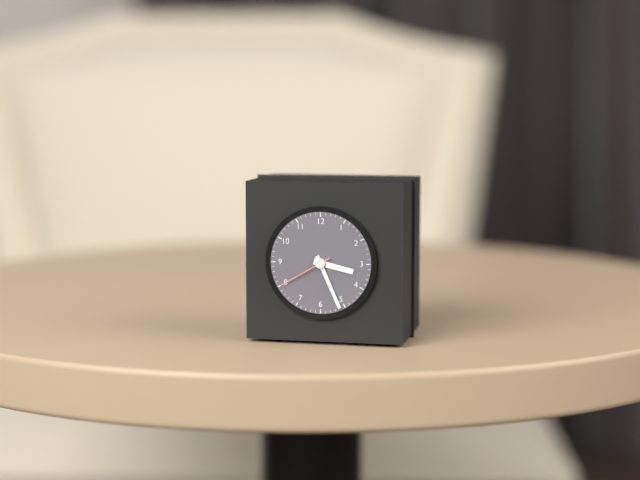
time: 3:26:40
